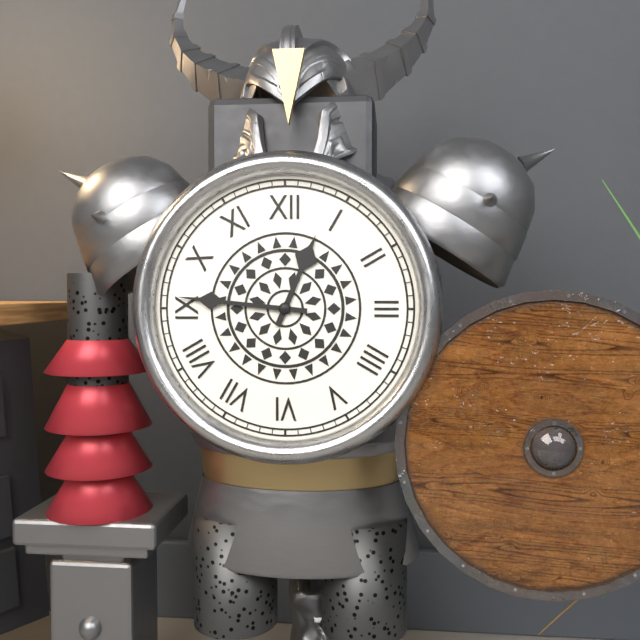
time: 12:46
